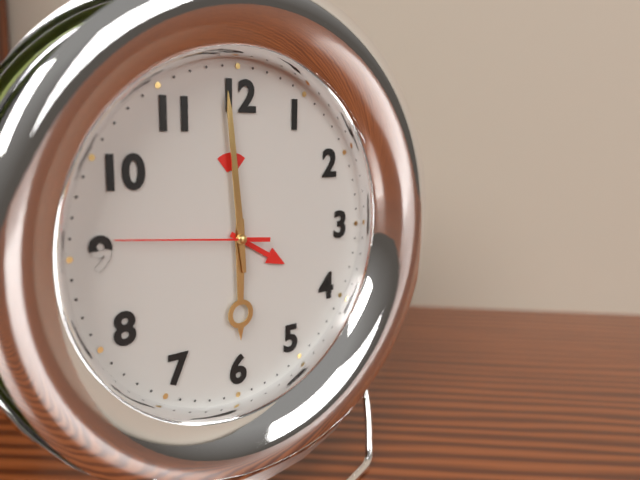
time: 5:59:46
